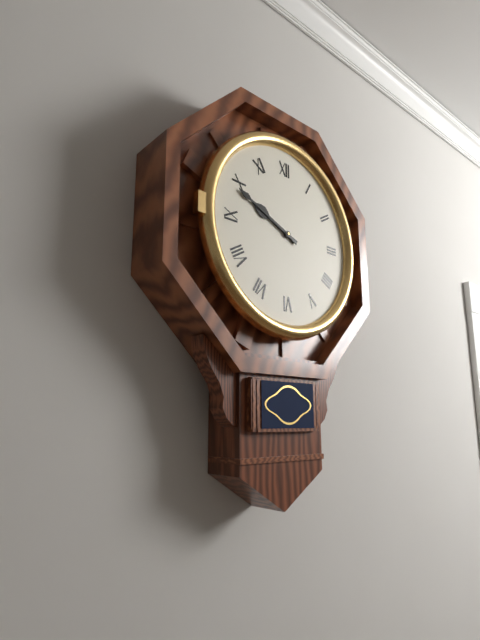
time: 9:49
